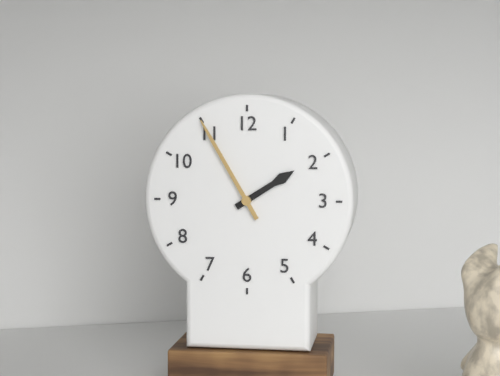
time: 1:55
